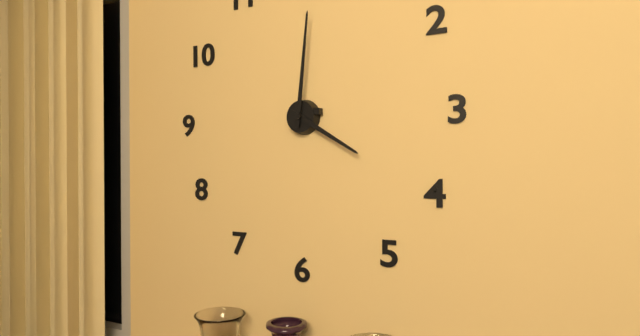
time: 4:01
